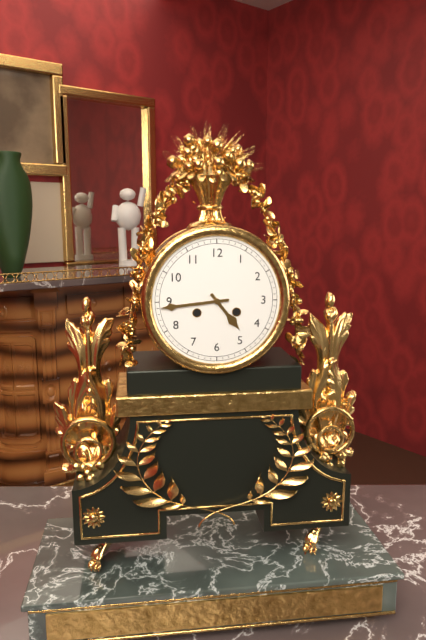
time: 4:44
